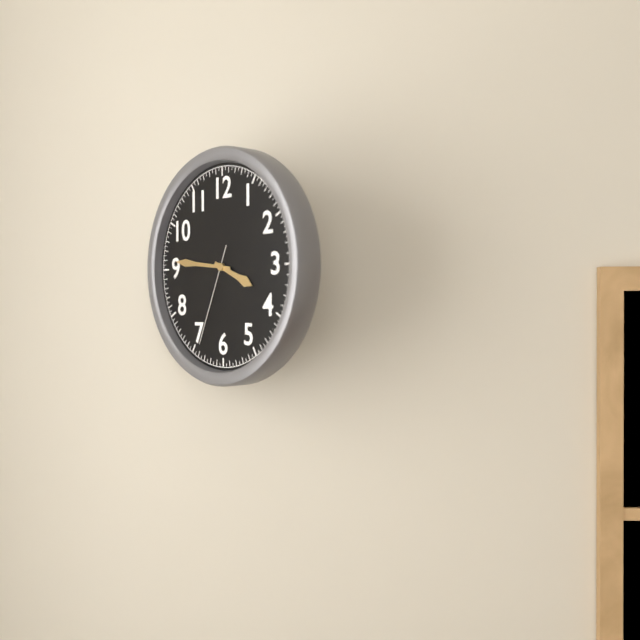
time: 3:46:34
